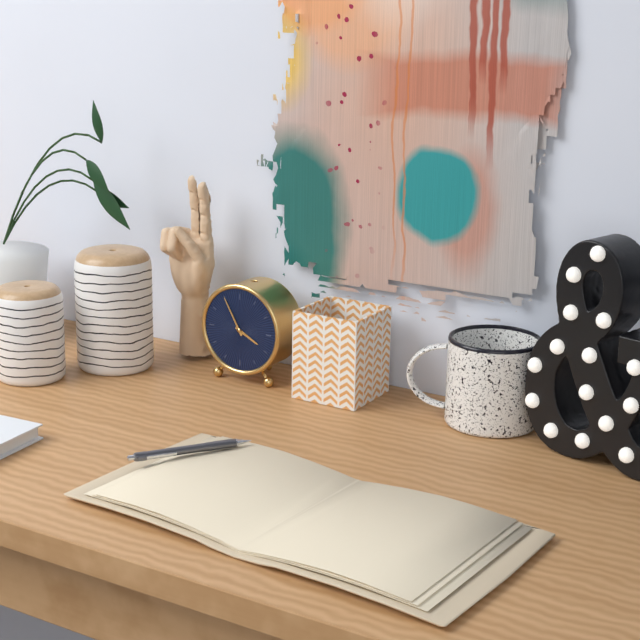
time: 3:55
